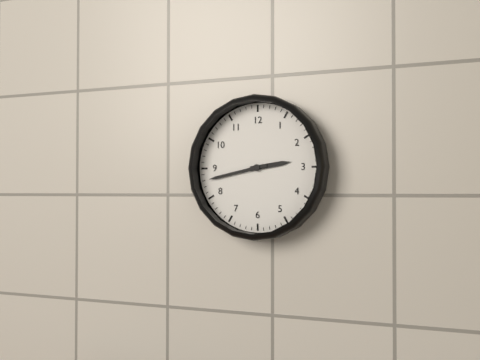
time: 2:43
